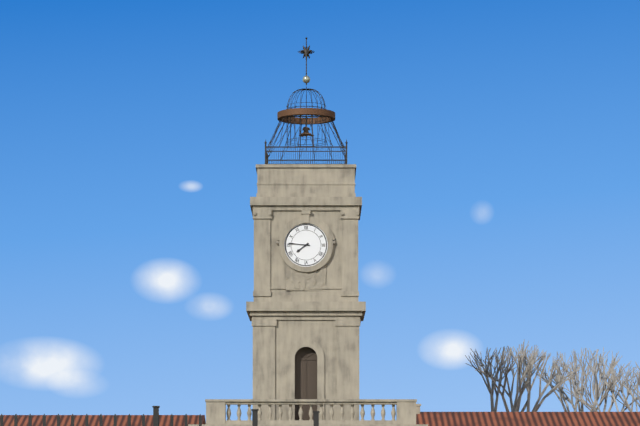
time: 7:46
